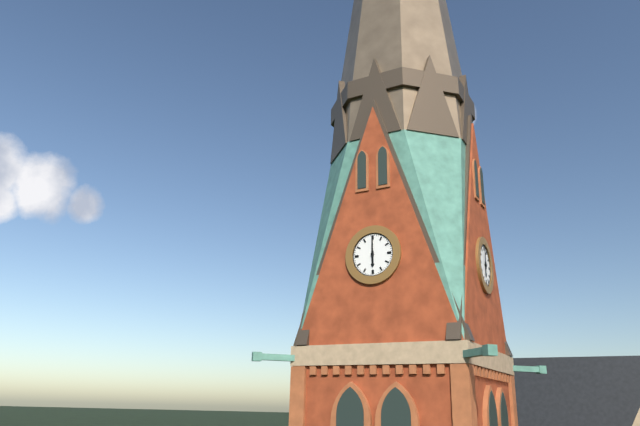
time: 6:00
